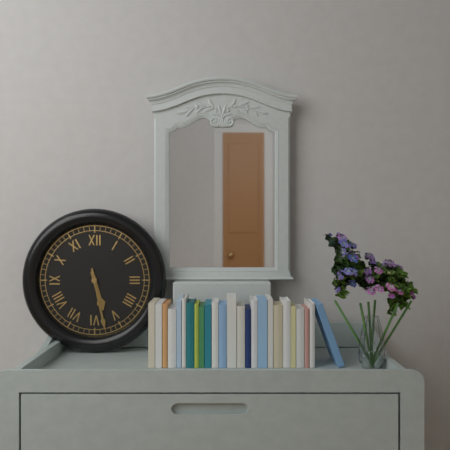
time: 5:28
